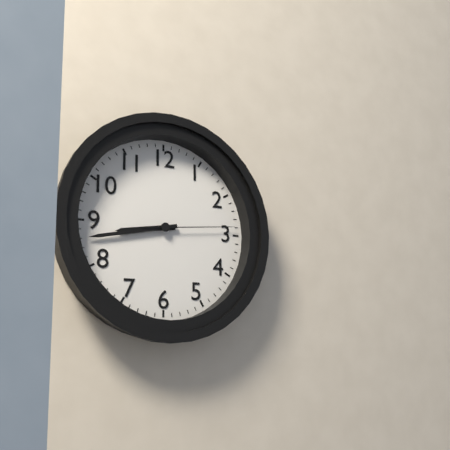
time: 8:43:14
